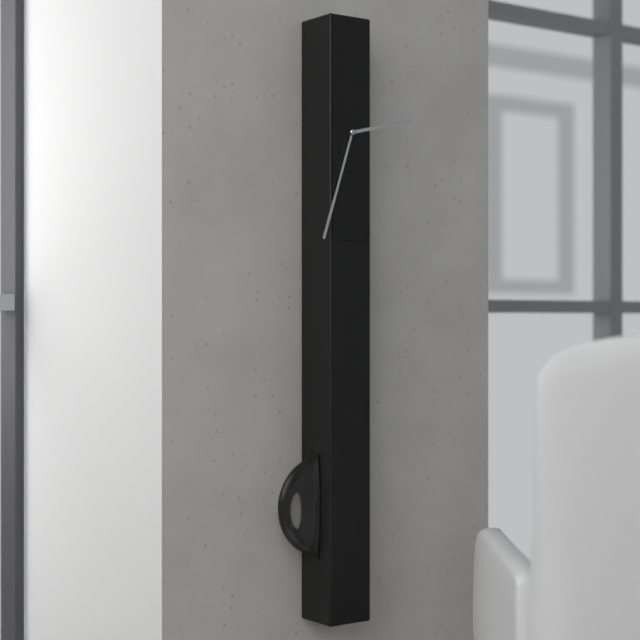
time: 2:33
